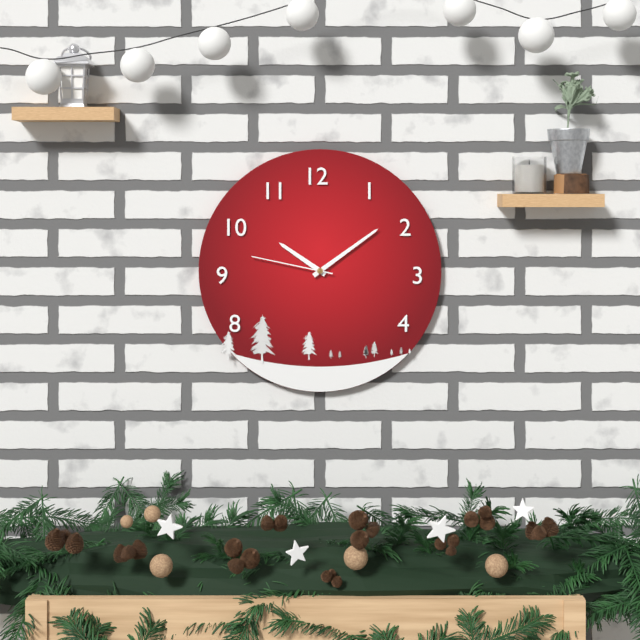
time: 10:09:47
